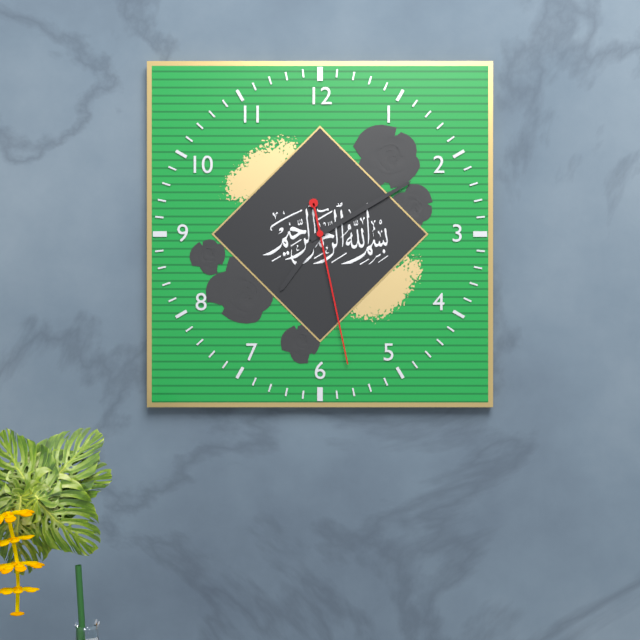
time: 7:10:28
